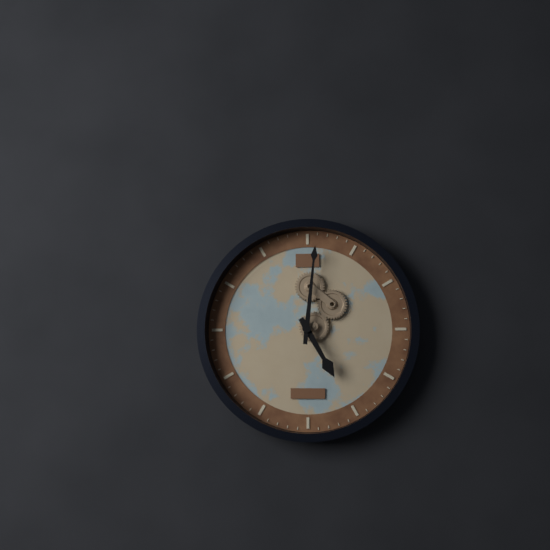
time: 5:01
